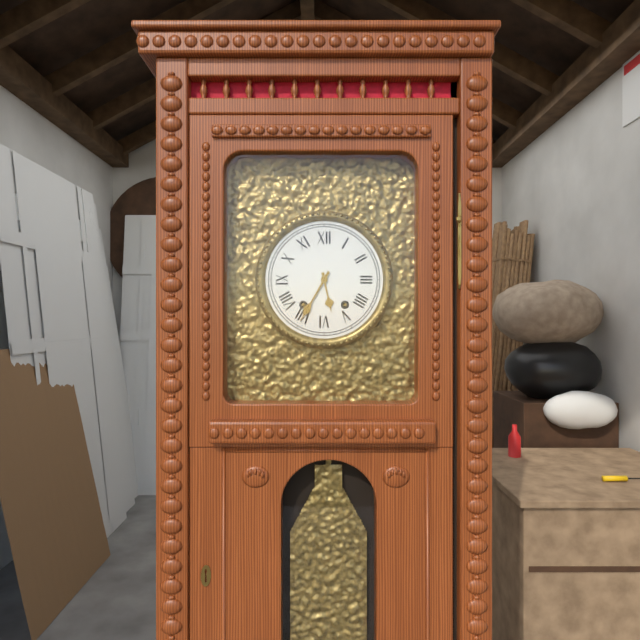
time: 5:35
